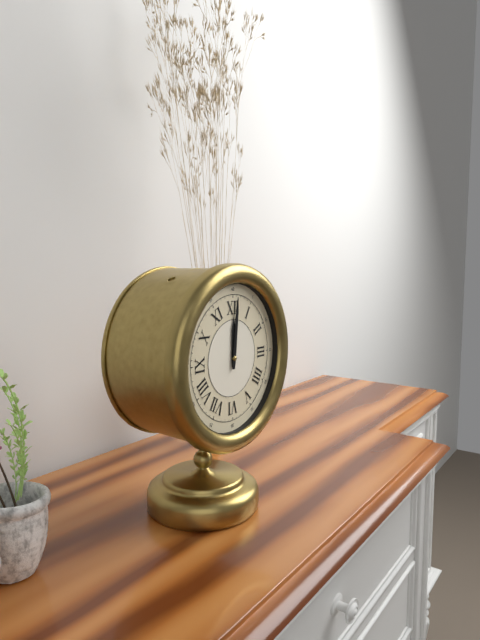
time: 12:01
